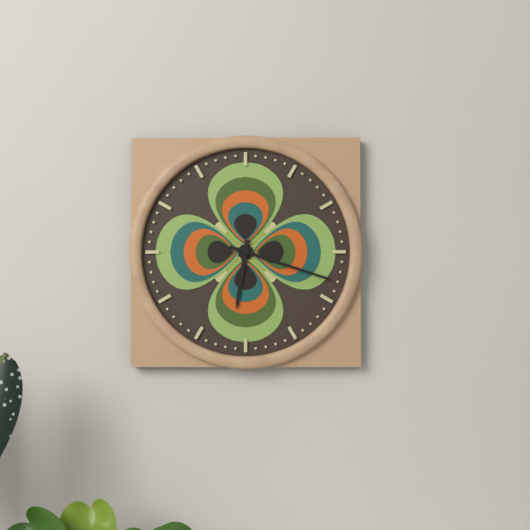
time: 6:18
